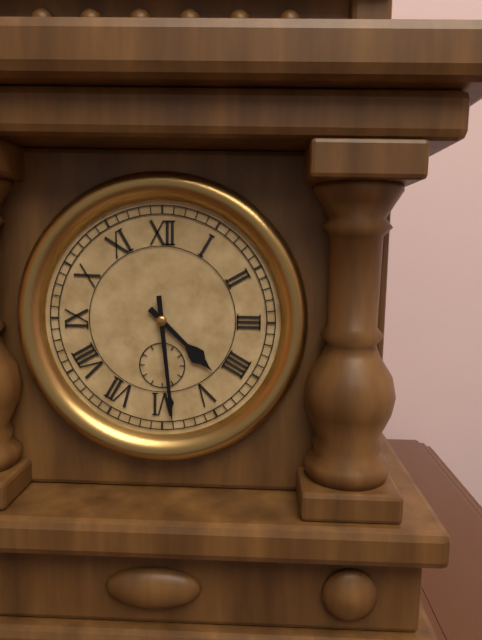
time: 4:29
